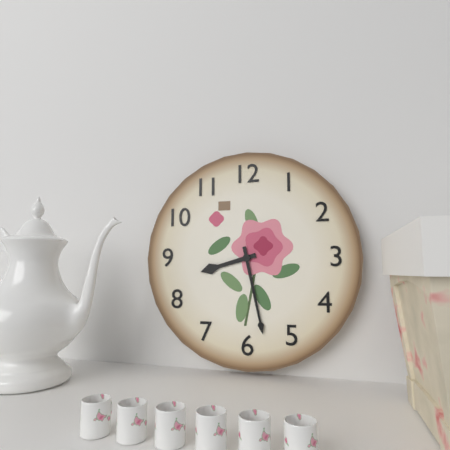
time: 8:28
